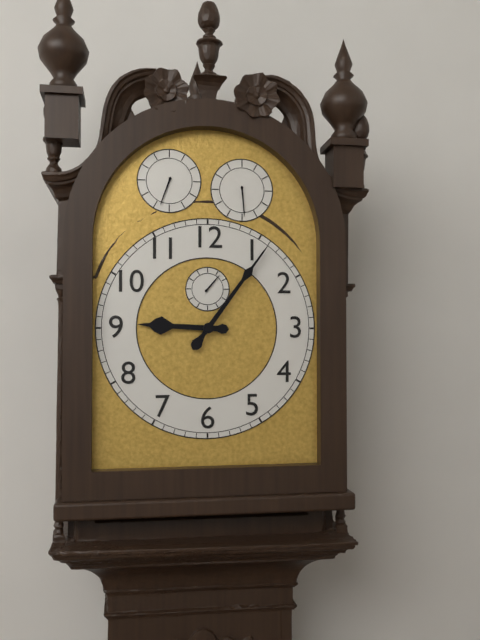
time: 9:06
